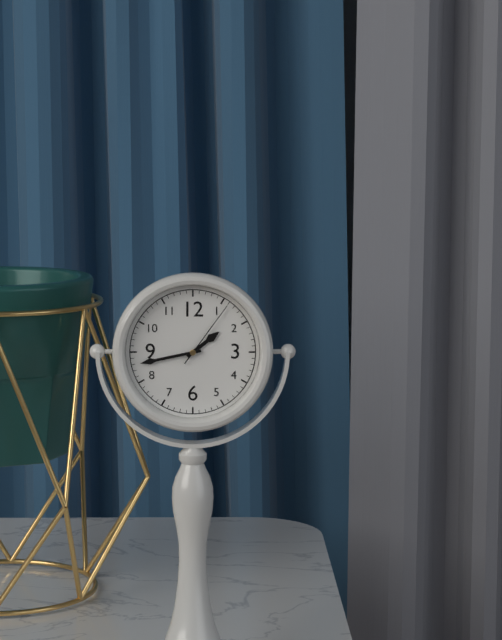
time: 1:43:06
